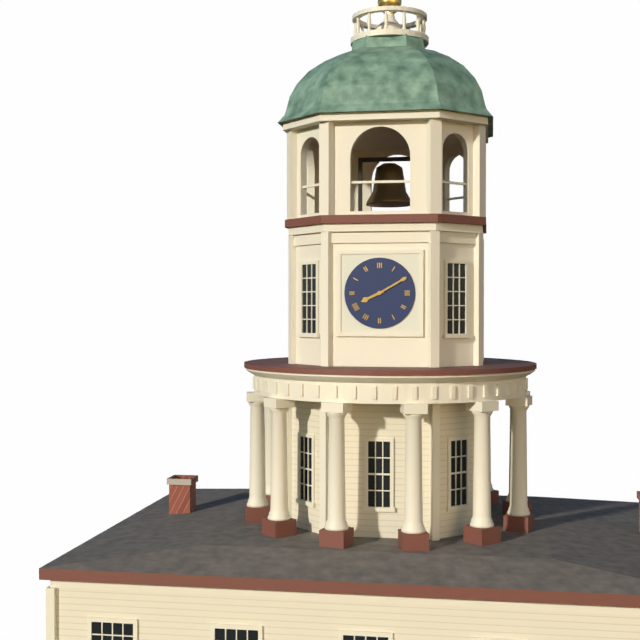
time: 8:10
